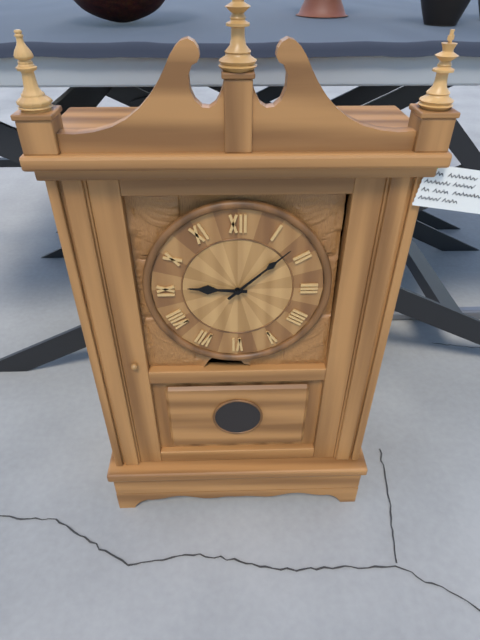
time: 9:08
